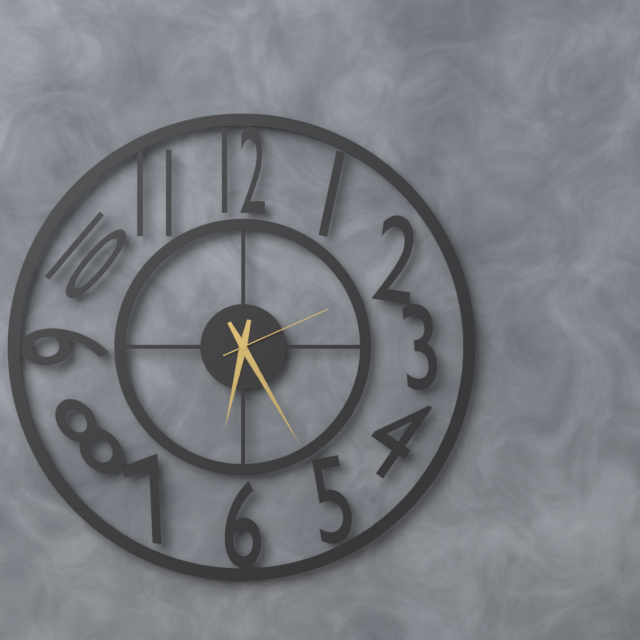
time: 6:25:11
